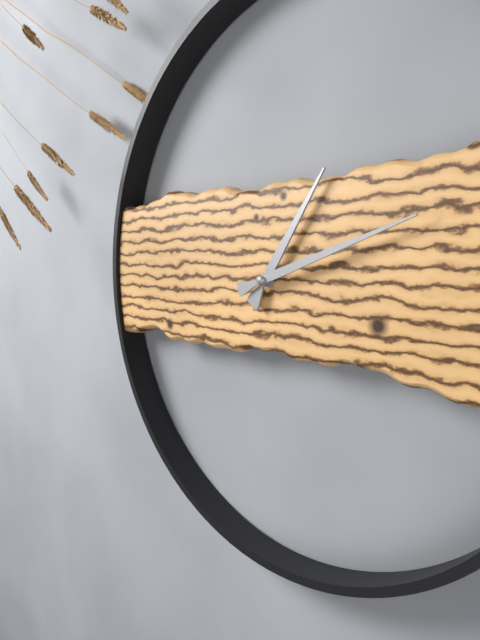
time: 1:12
